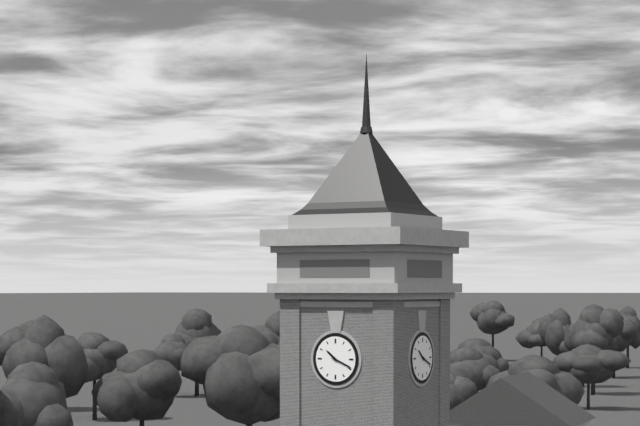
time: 10:19
